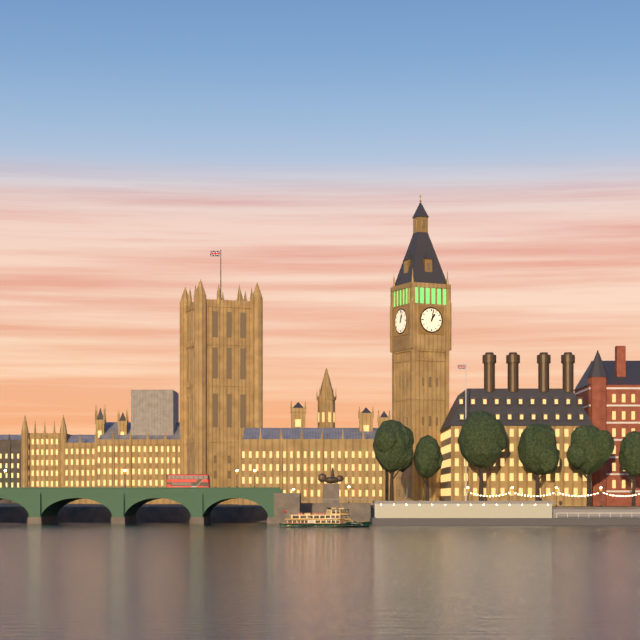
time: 1:02
